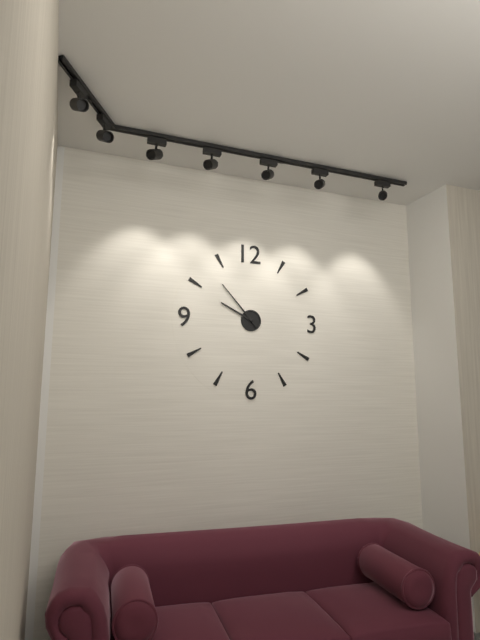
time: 9:53
